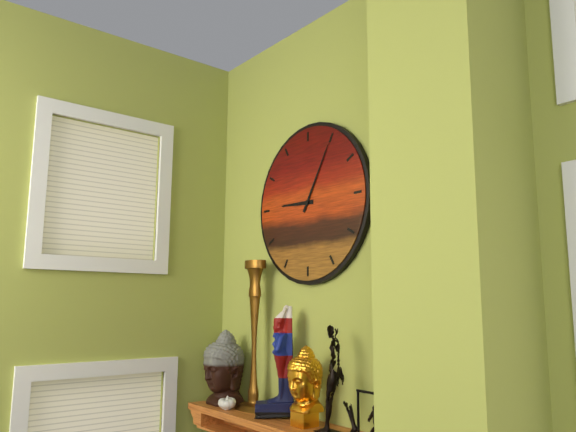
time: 9:05
